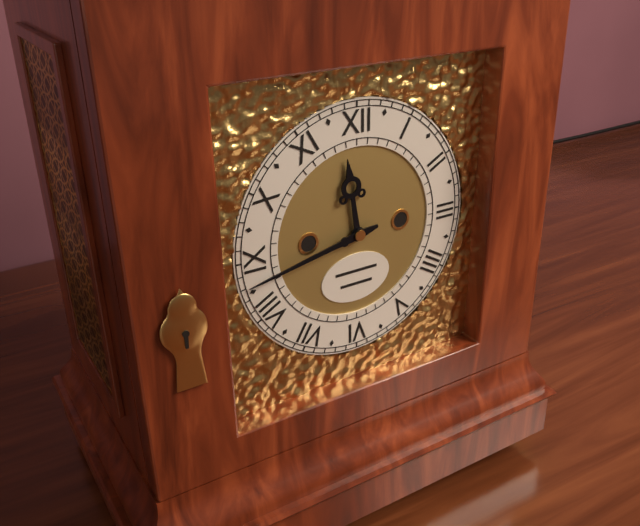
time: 11:43
